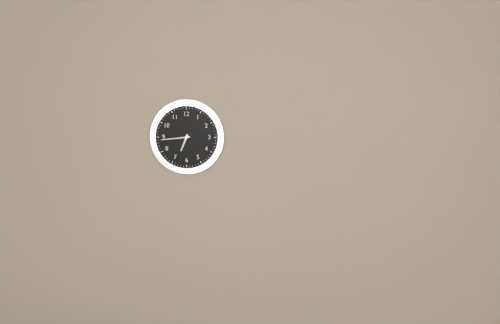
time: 6:44
